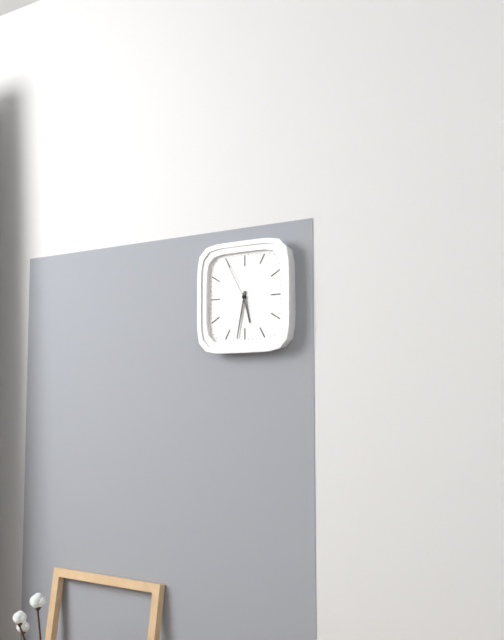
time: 5:32
